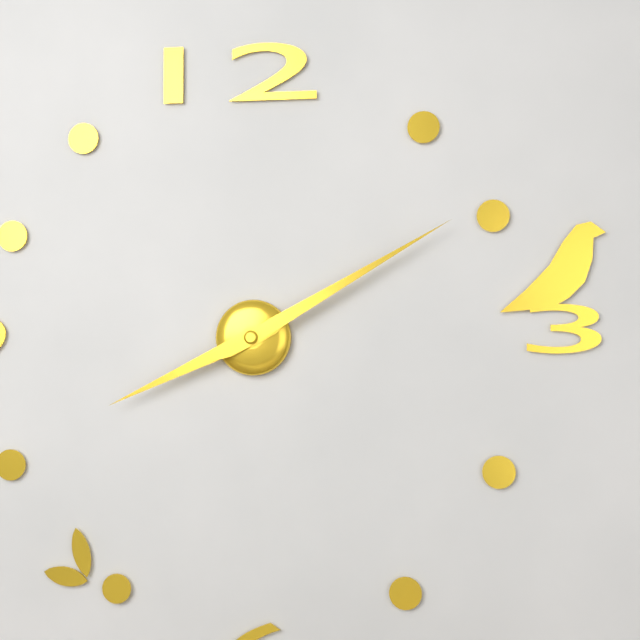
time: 8:10
